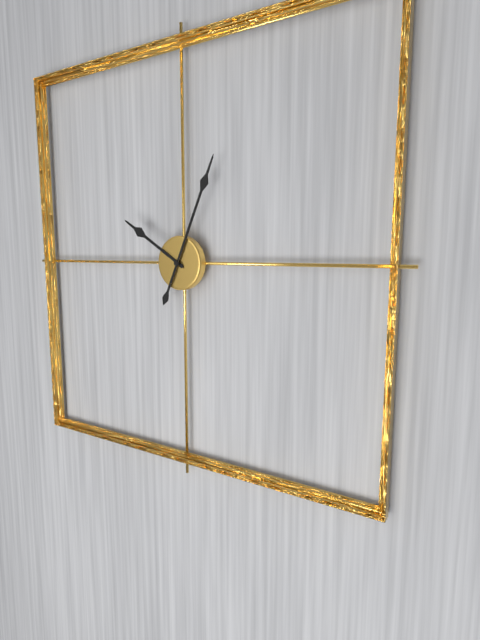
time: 10:04
